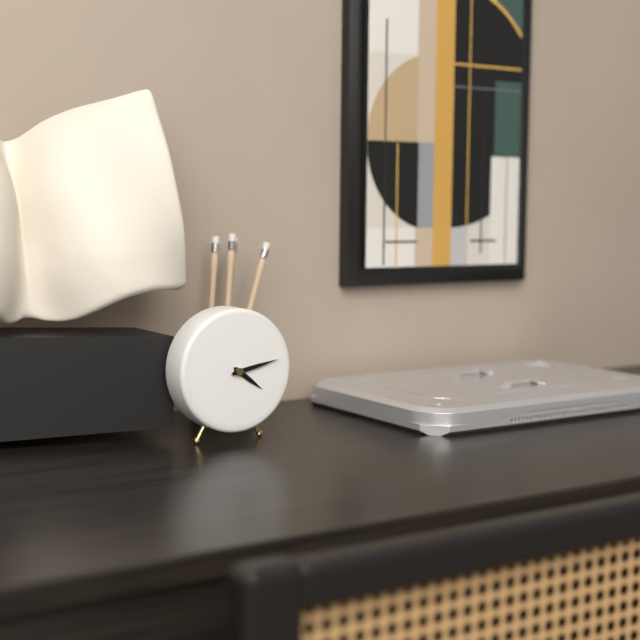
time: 4:13
